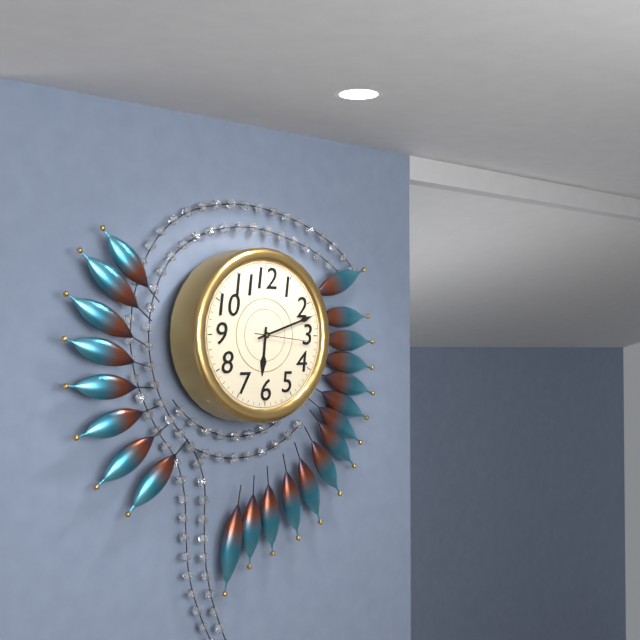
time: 6:12:16
